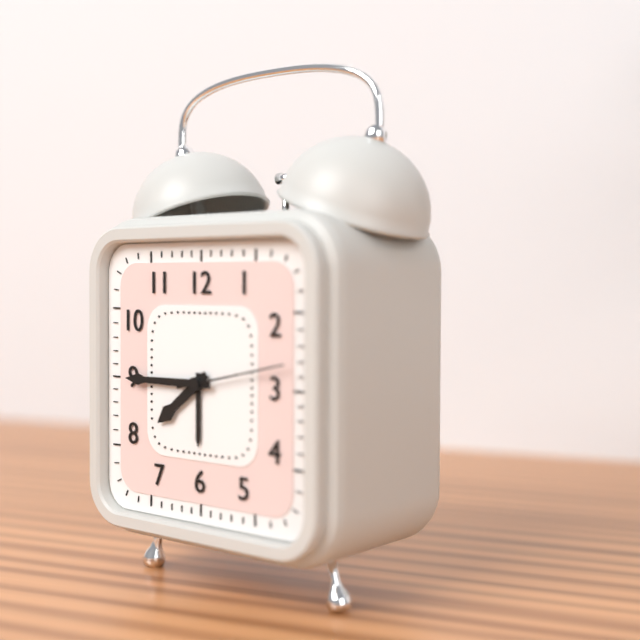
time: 7:45
